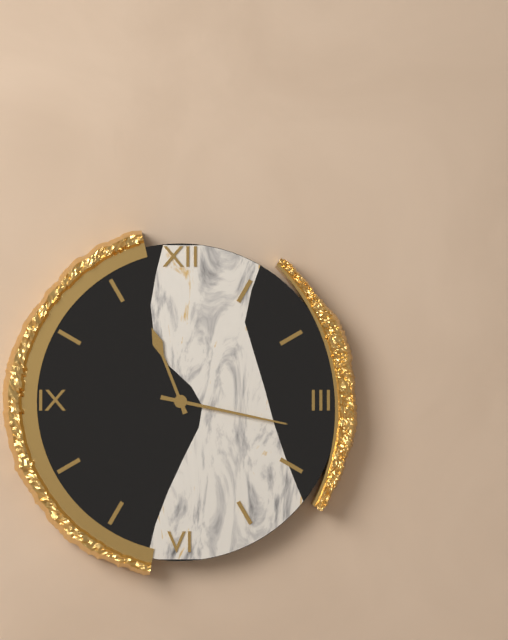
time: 11:17
